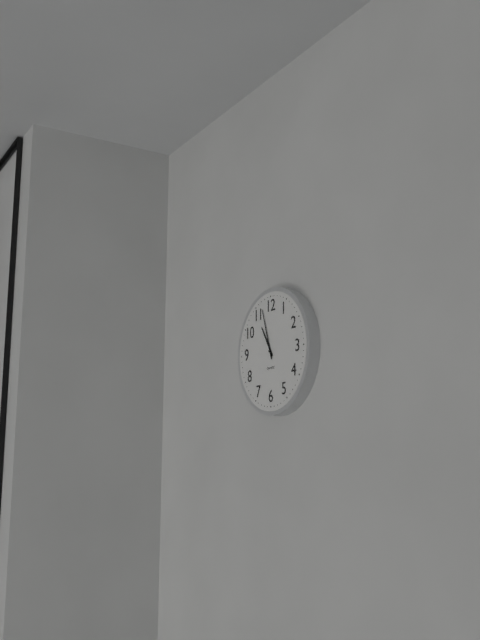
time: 10:57
